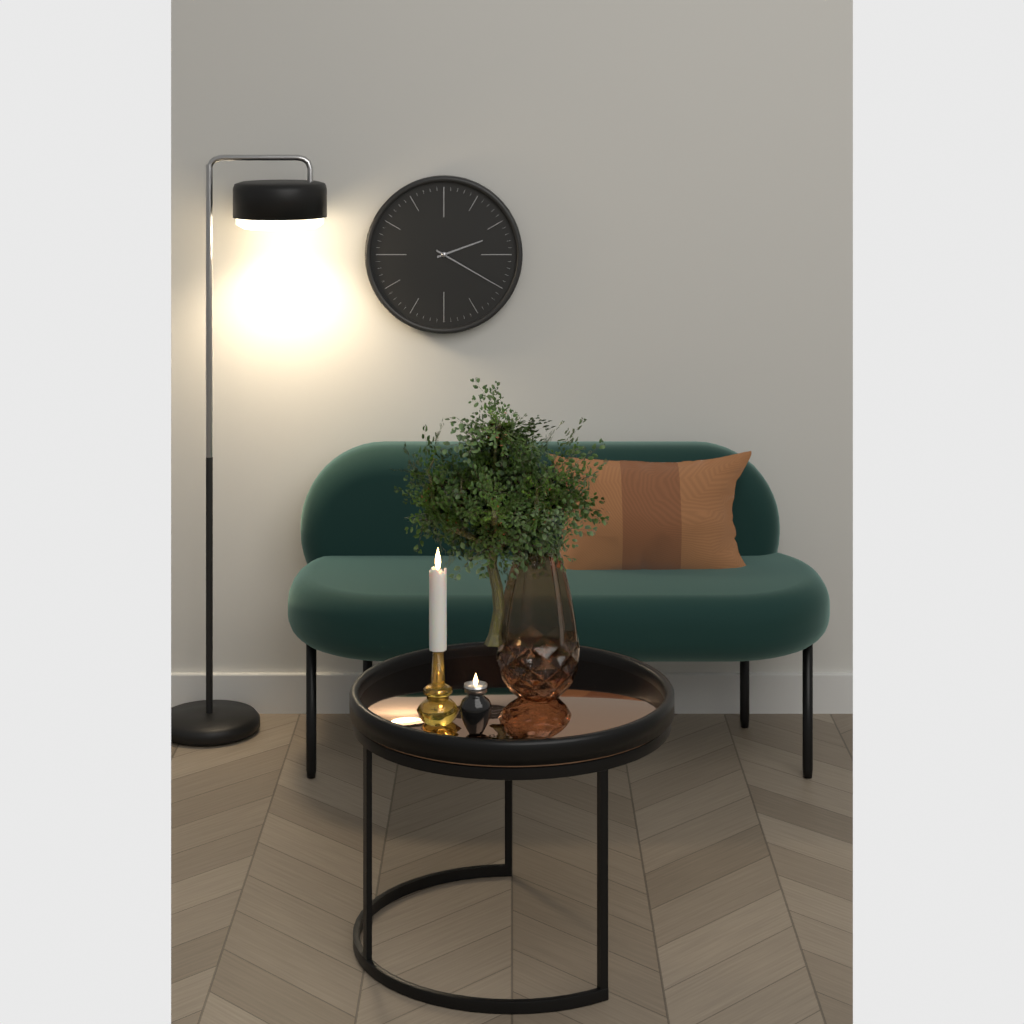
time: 2:20
